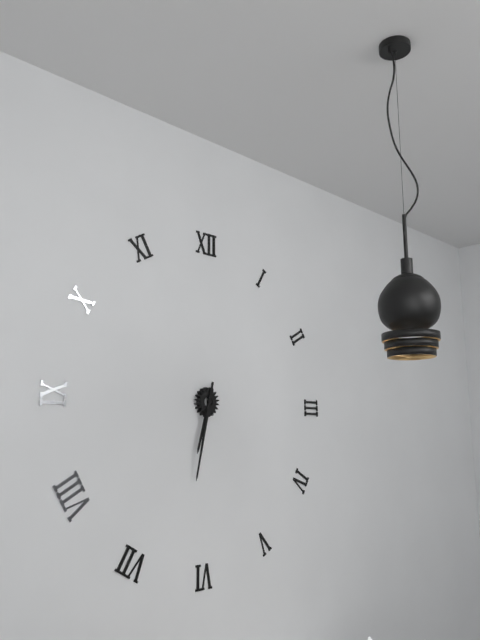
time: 6:32
